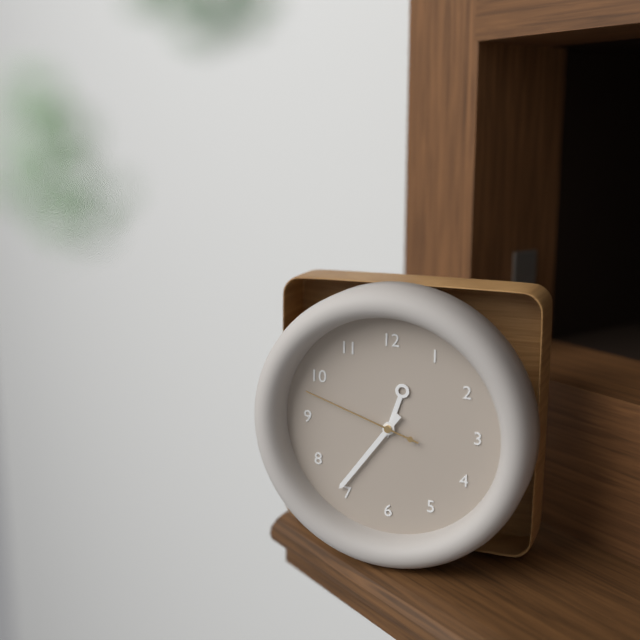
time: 12:36:48
